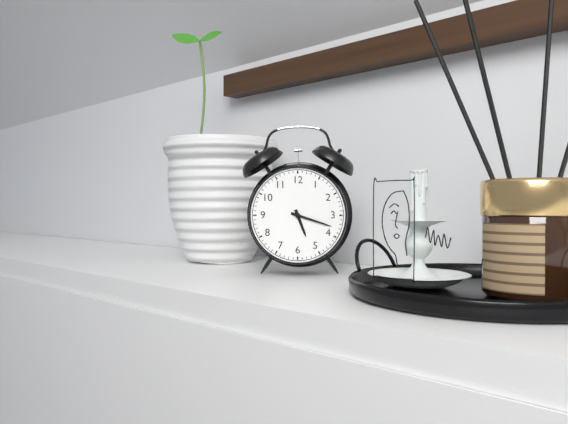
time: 5:18
